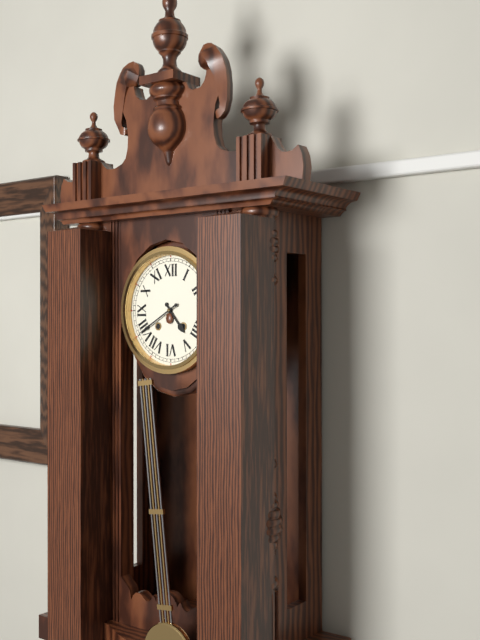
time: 4:40
